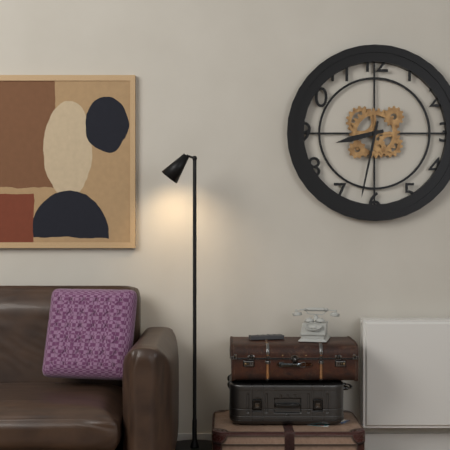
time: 8:32
